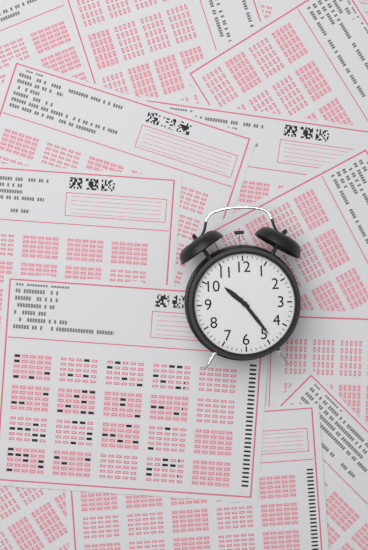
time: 10:24
